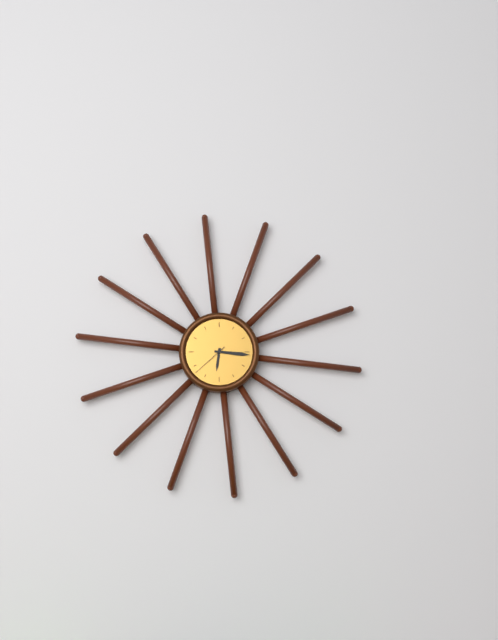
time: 6:16
